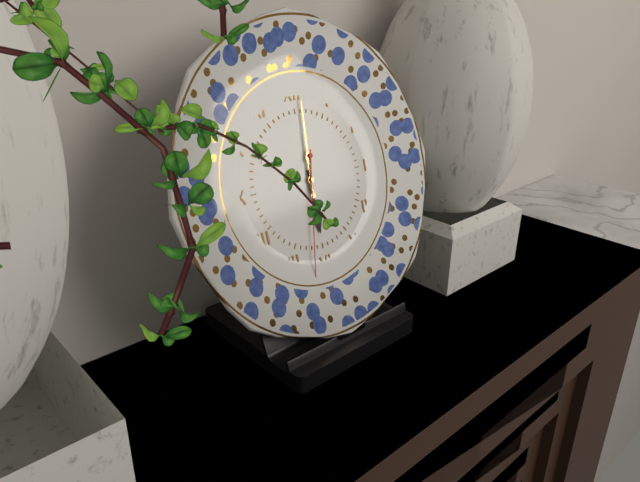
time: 6:01:32
